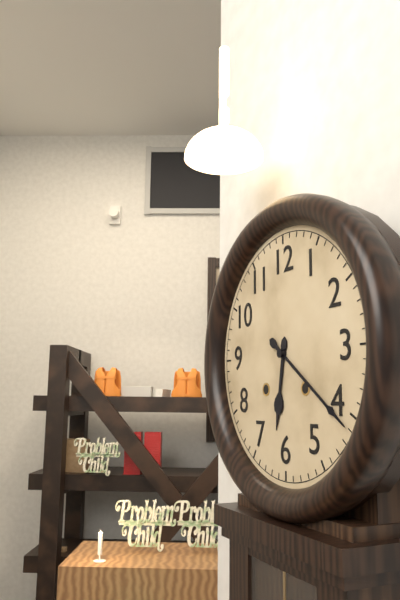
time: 6:21
